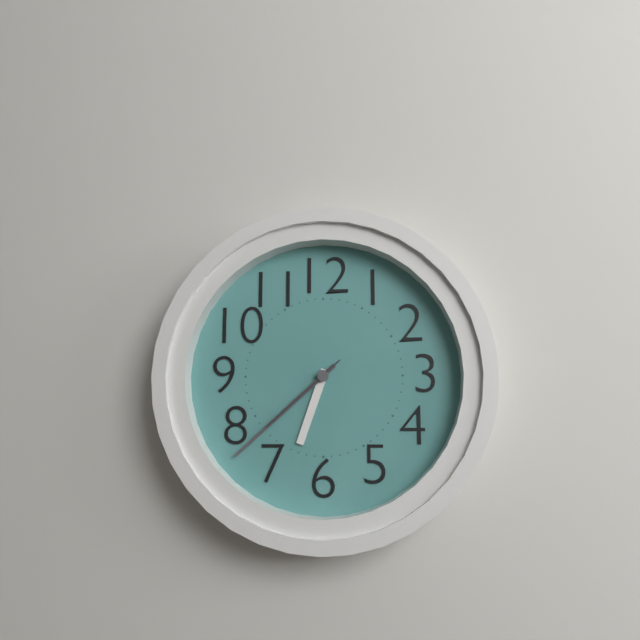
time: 6:38:38
